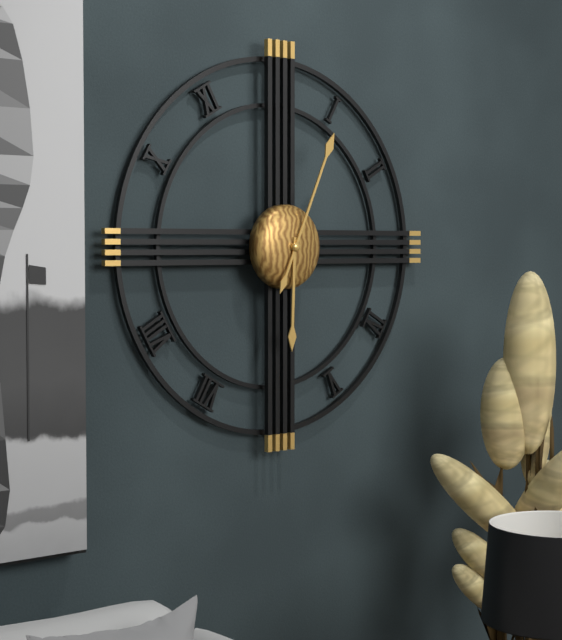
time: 6:04
